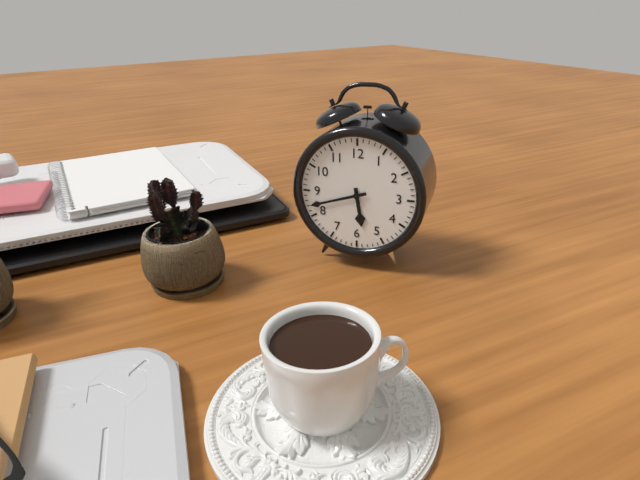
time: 5:42
